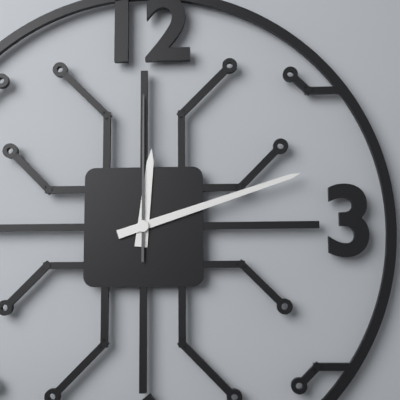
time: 12:12:00
